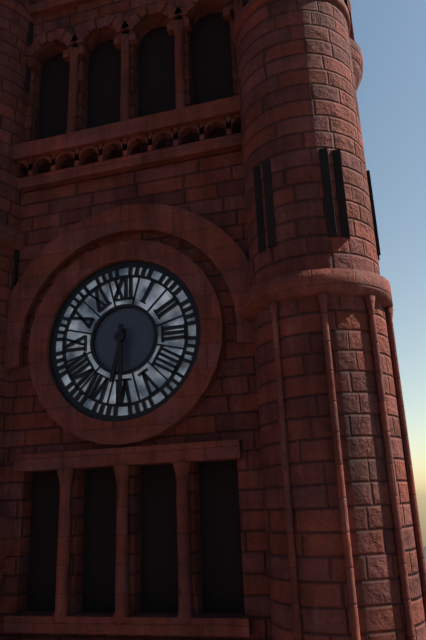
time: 6:30
